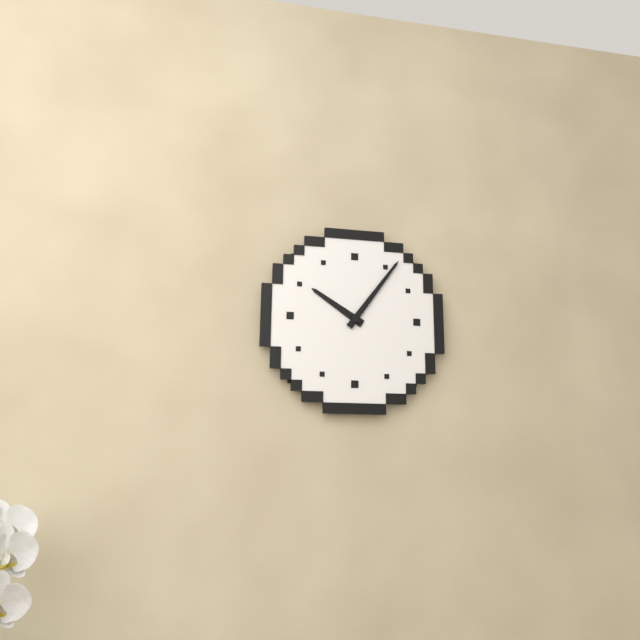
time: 10:06
